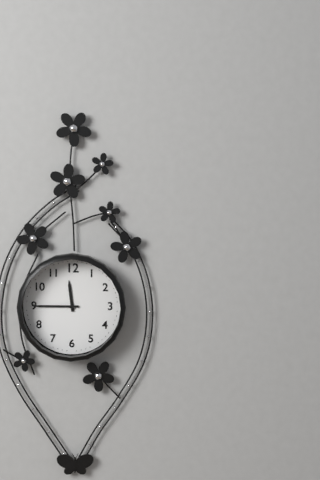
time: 11:45
